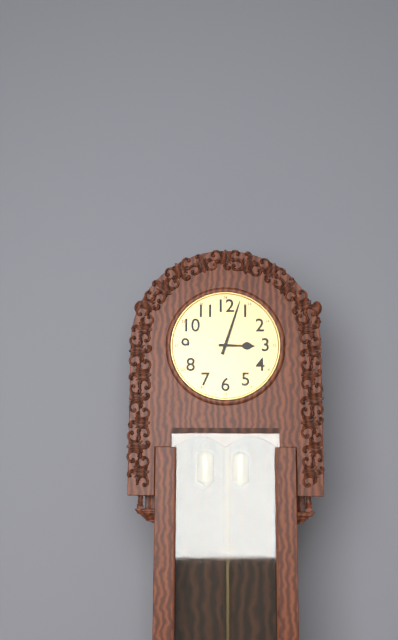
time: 3:03
